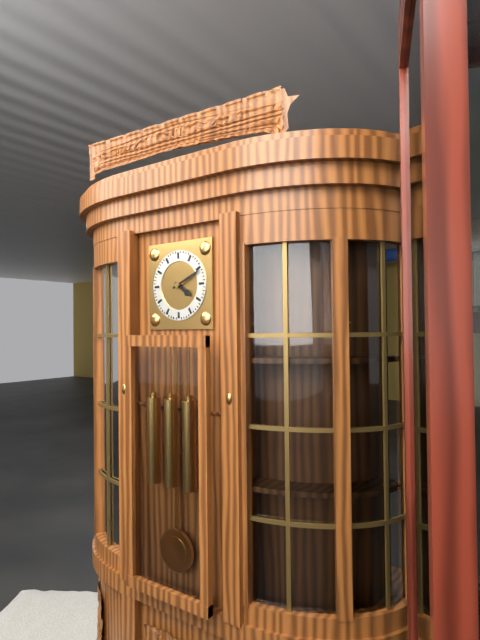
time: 4:11
